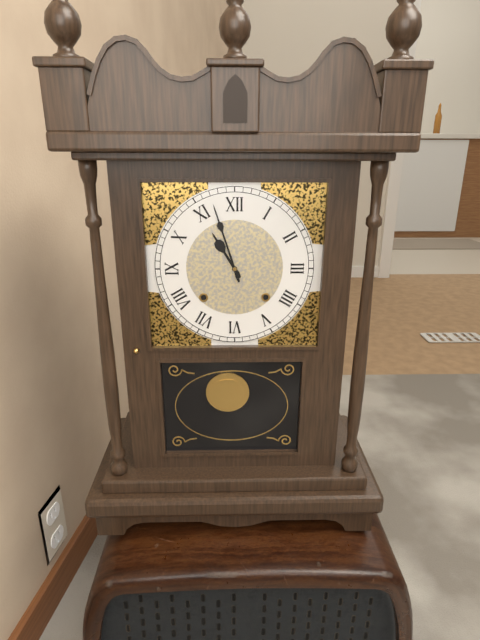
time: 10:57
